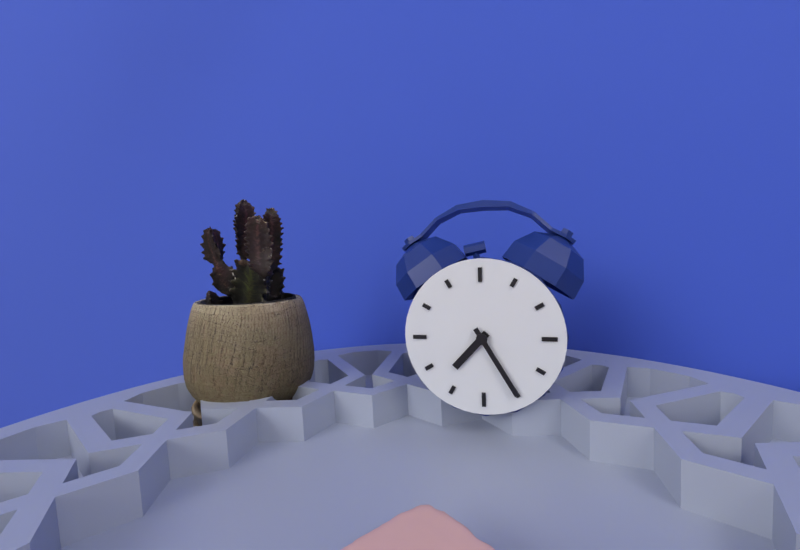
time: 7:25
